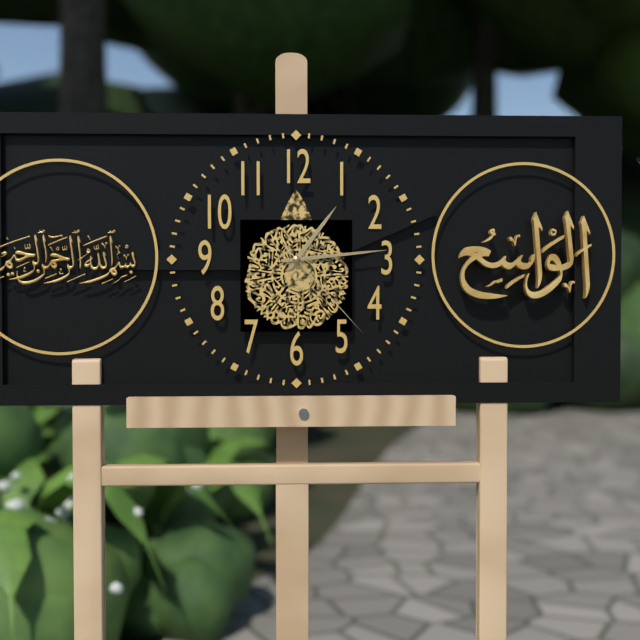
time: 1:14:23
